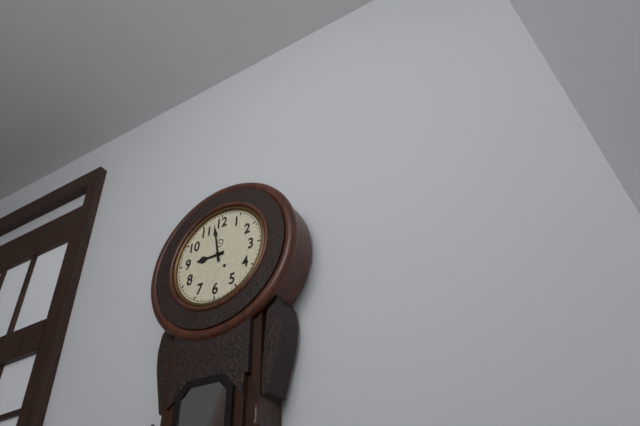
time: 8:58
